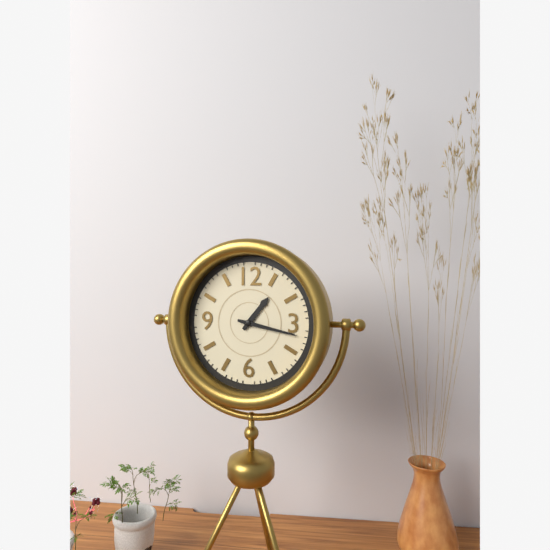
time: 1:17
